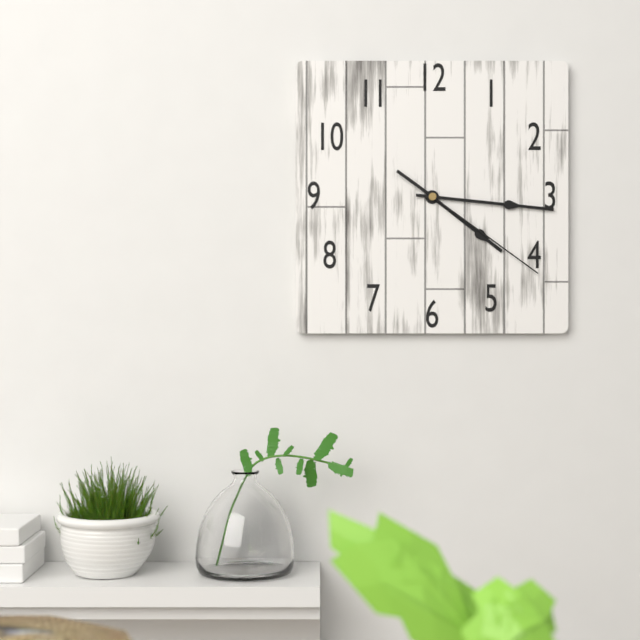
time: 4:16:21
